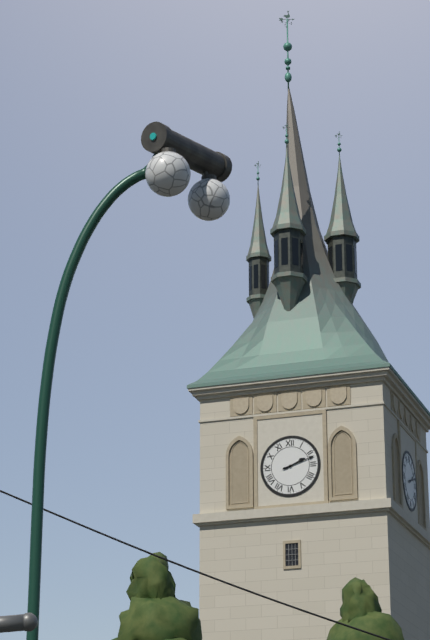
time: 2:12
